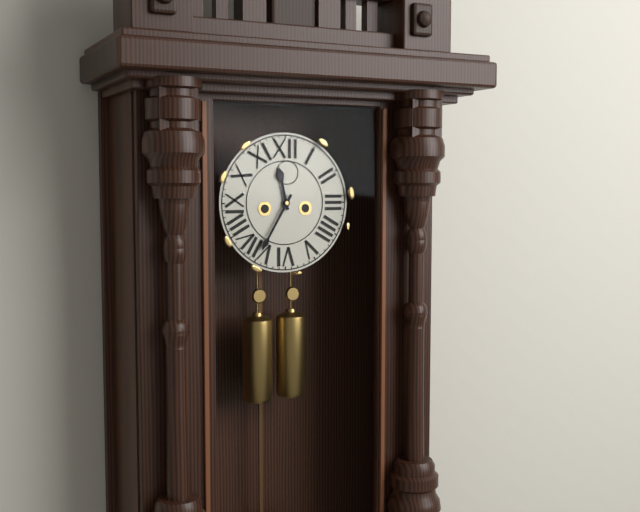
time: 11:35
